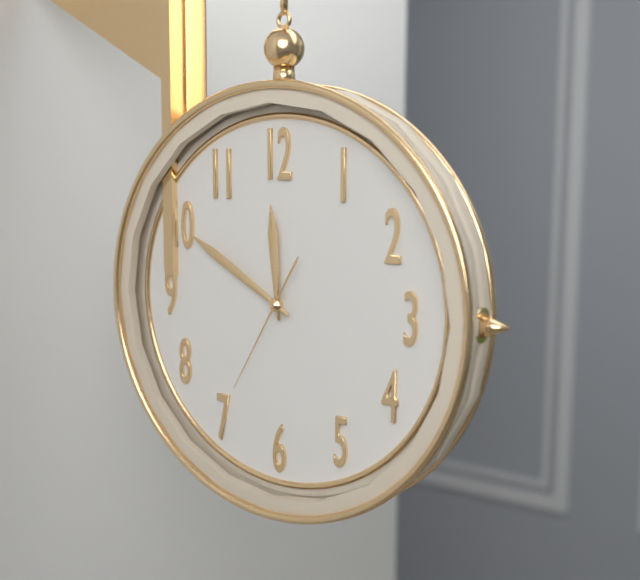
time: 11:50:35
